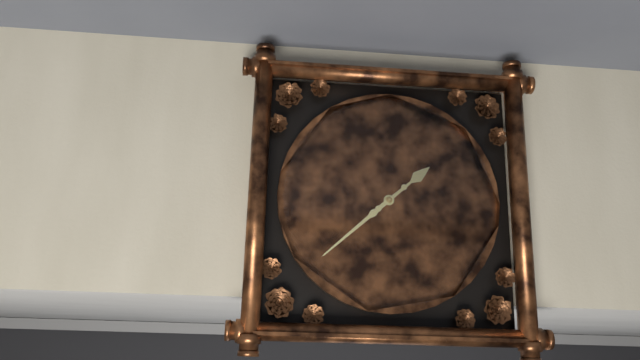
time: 1:38
